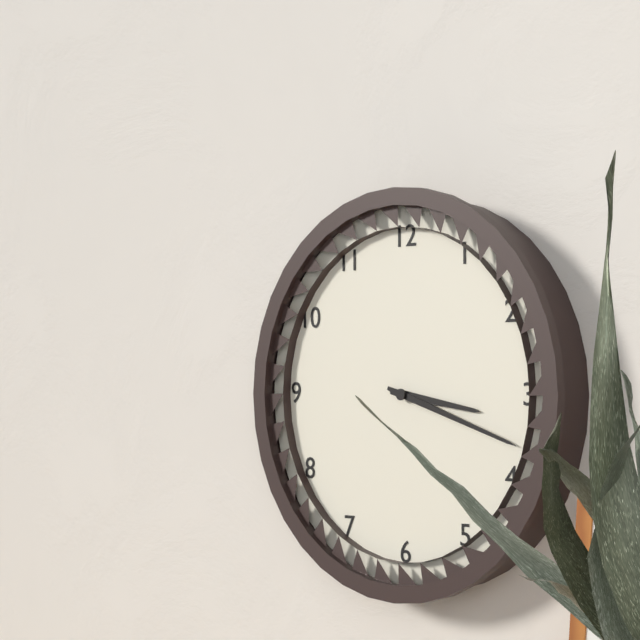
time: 3:18
